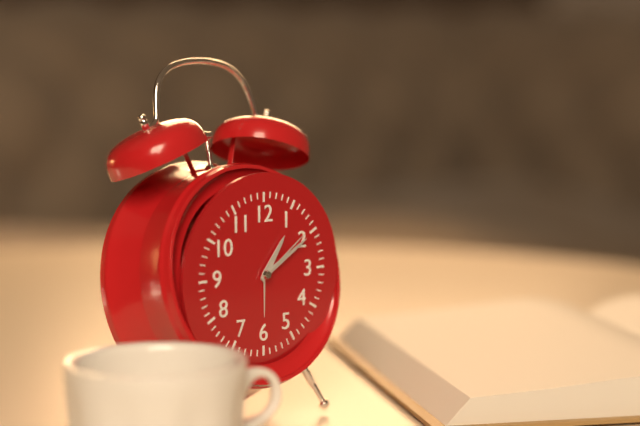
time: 1:10:09
